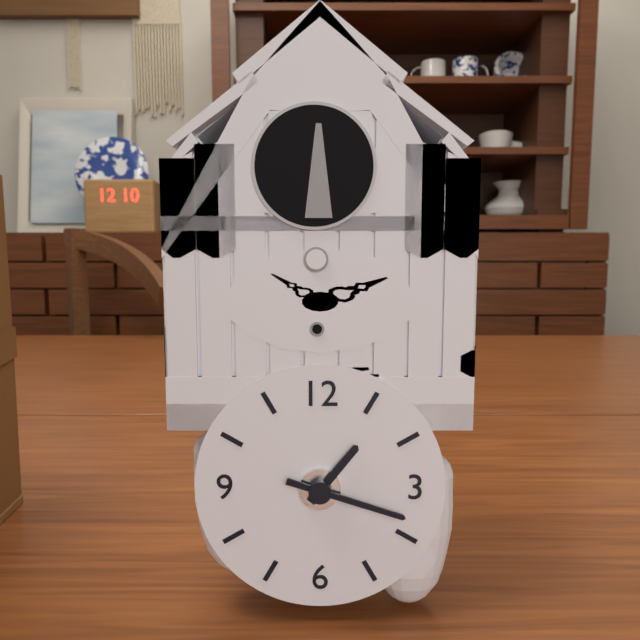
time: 1:18
